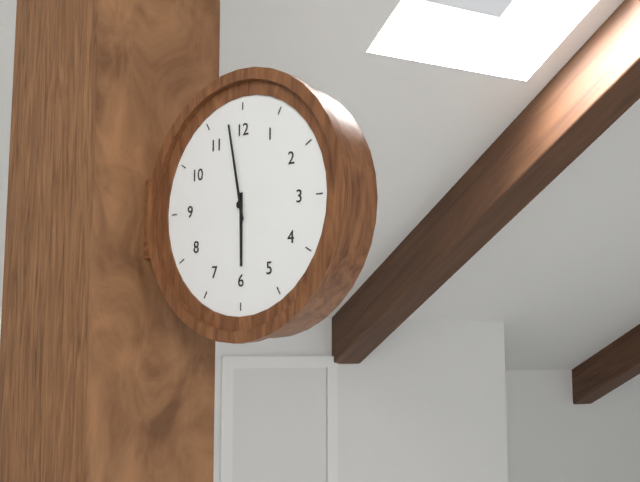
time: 5:58
